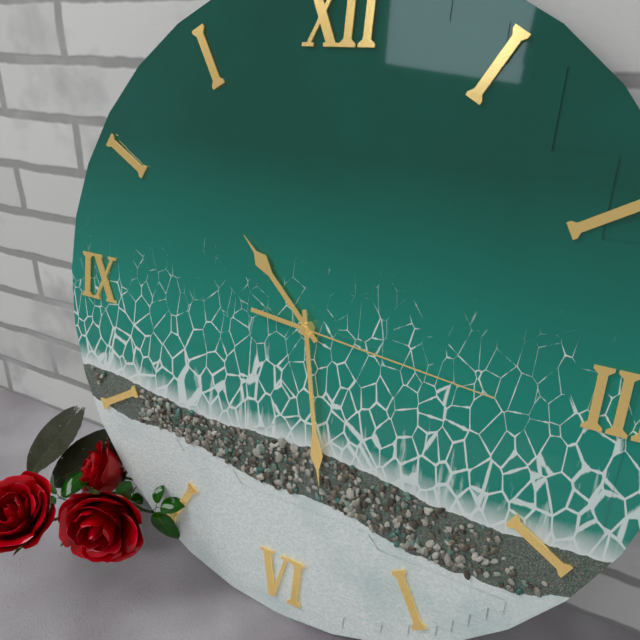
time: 10:28:16
